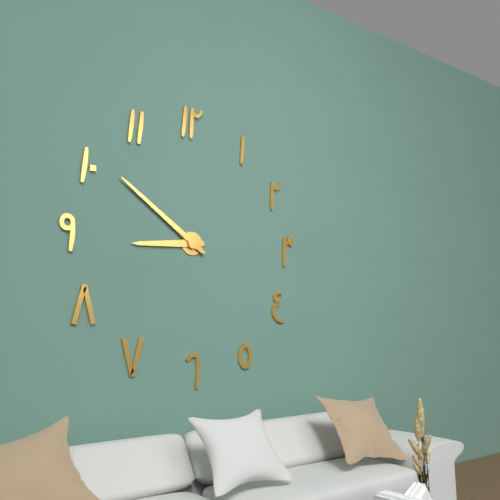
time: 8:51
